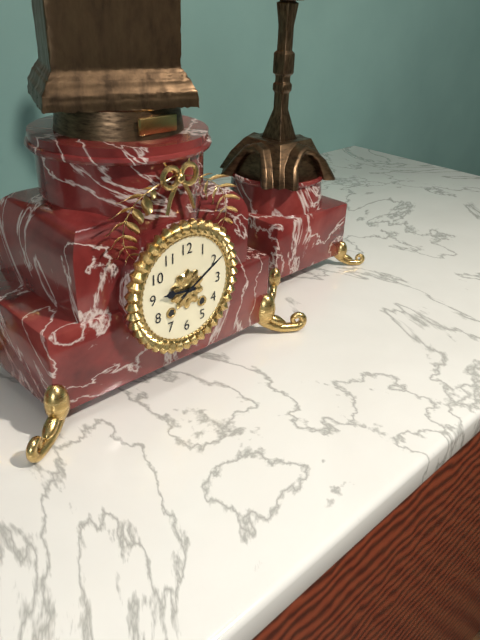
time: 9:10
